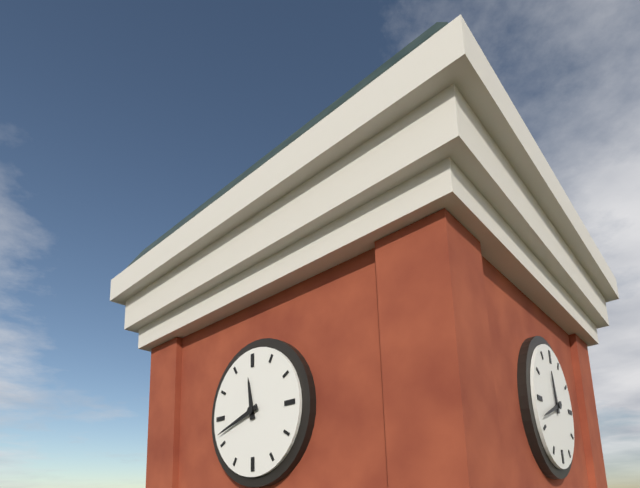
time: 11:42
